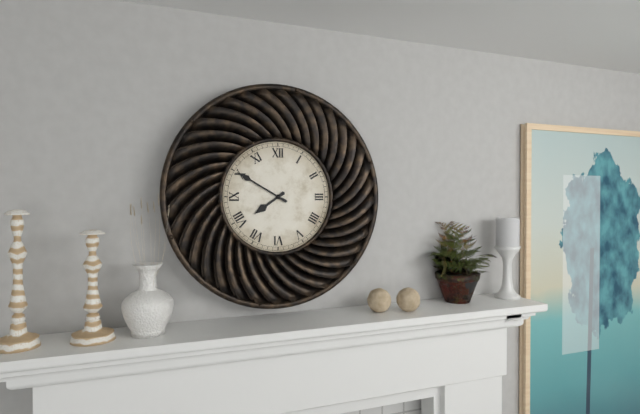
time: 7:50
